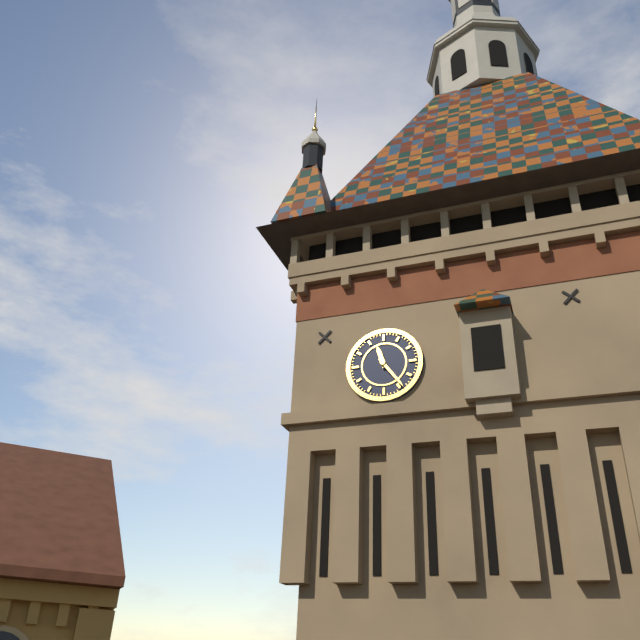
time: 11:24
